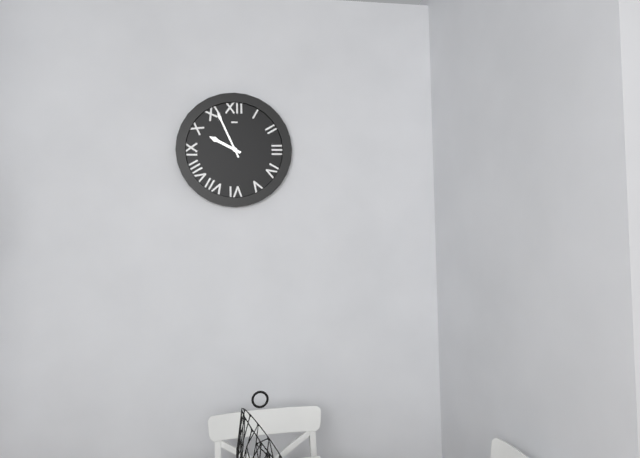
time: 9:56
